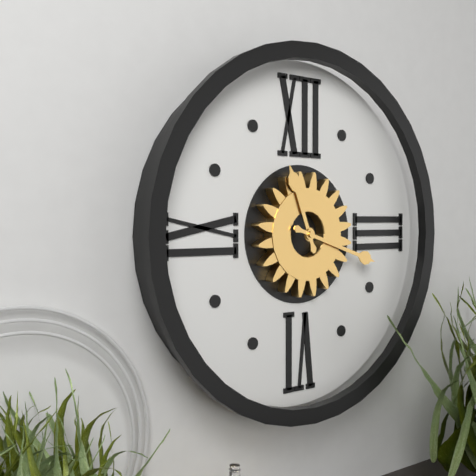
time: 11:18
